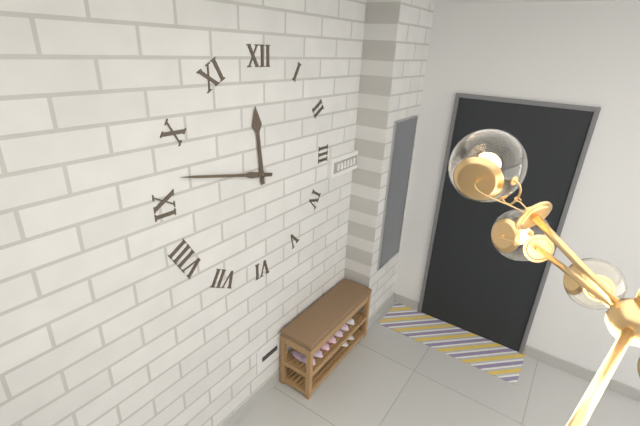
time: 11:47
